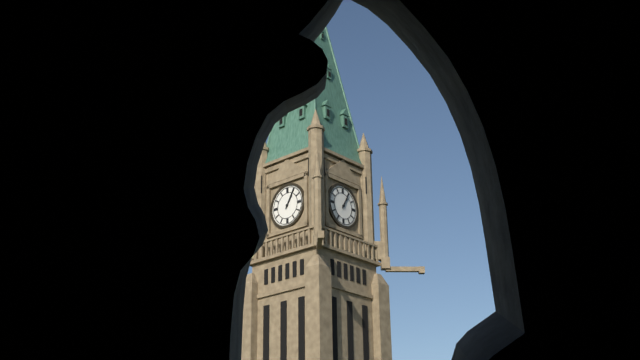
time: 1:05
